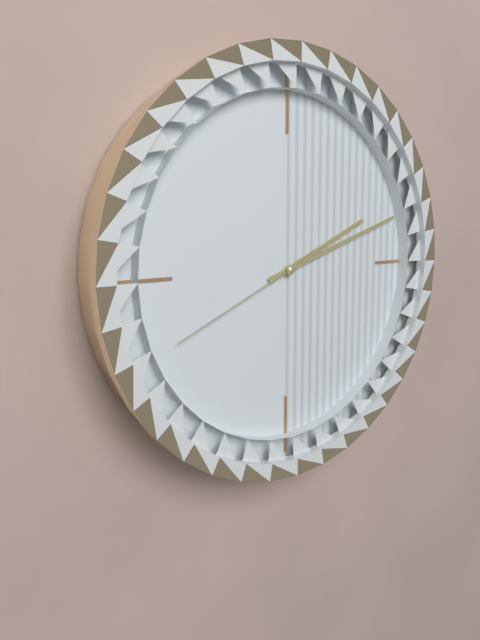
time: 2:12:41
